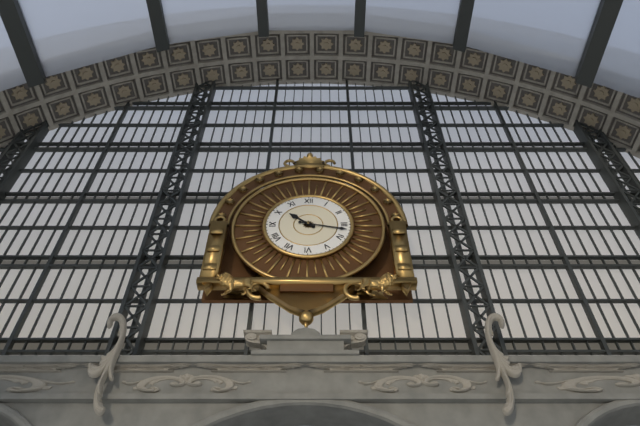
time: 10:17
